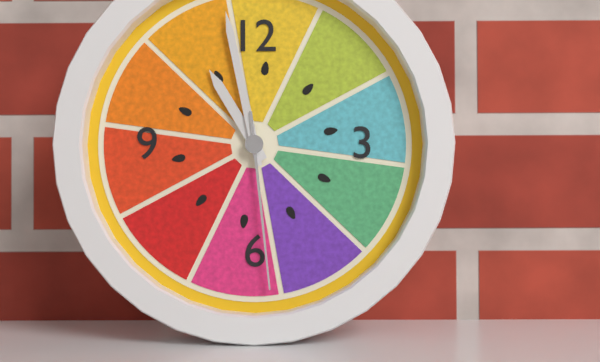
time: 10:58:29
